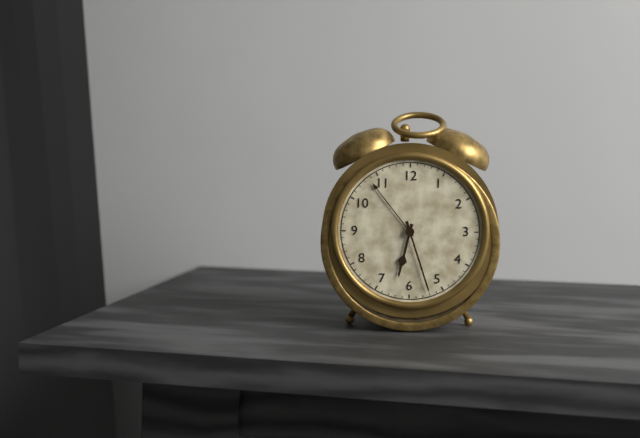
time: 6:27
